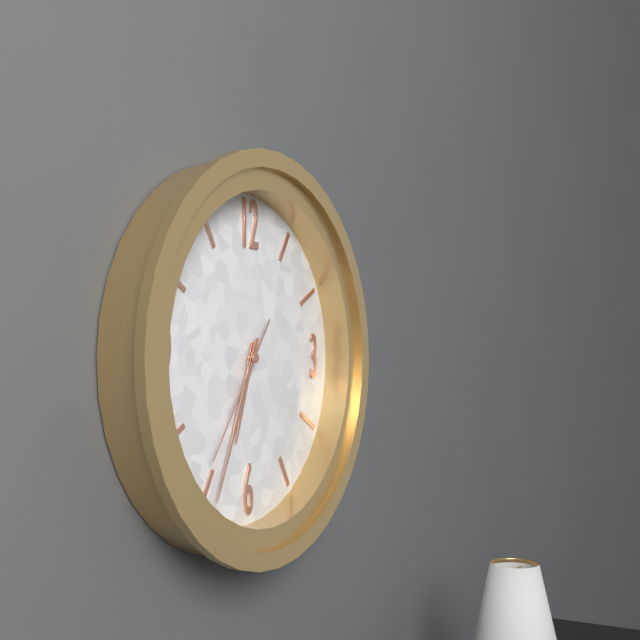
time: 6:34:36
